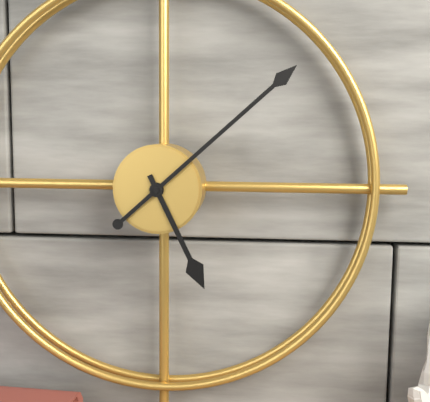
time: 5:08
